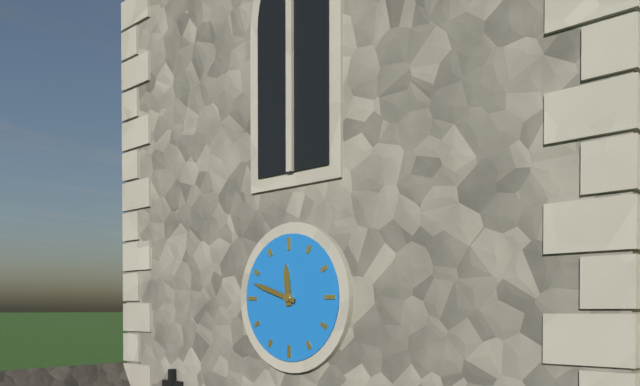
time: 11:48
